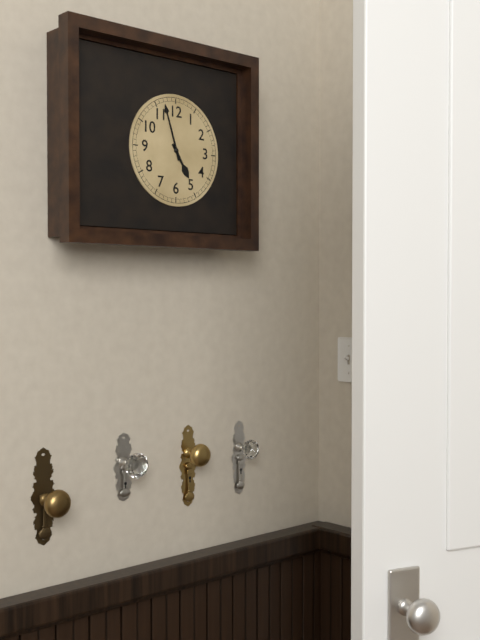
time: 4:57
